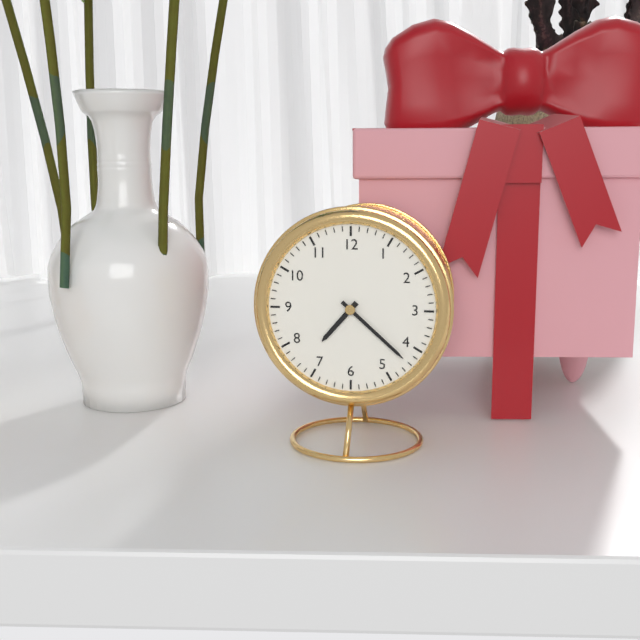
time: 7:22
